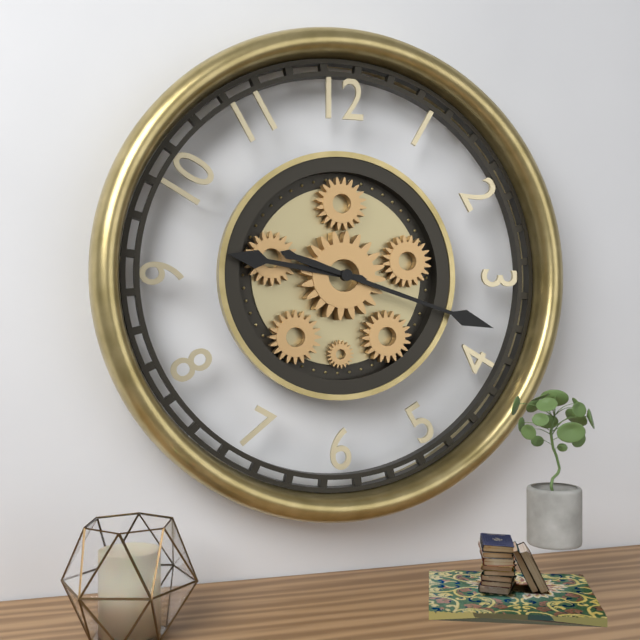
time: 9:18
